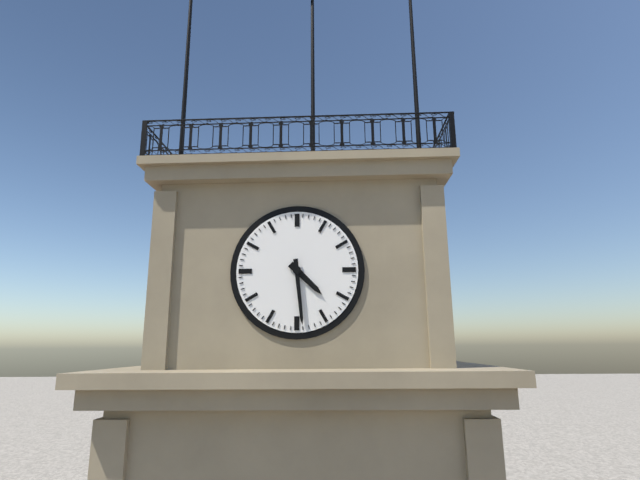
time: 4:29
